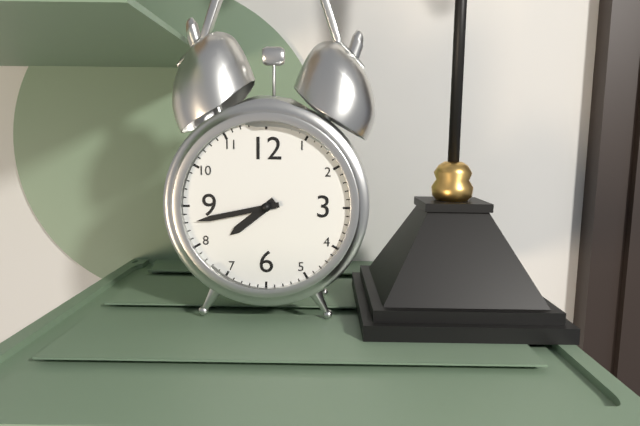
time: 7:43
